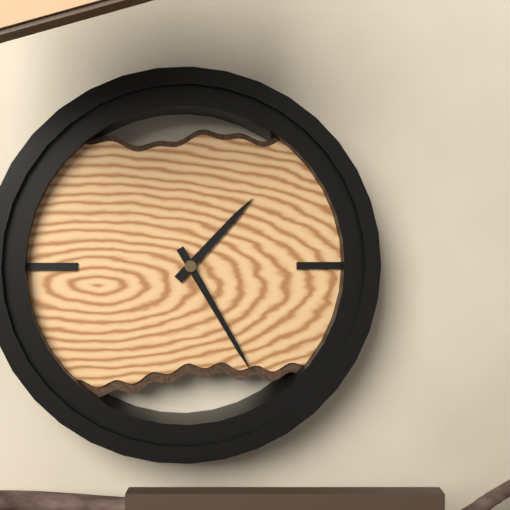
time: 1:25
